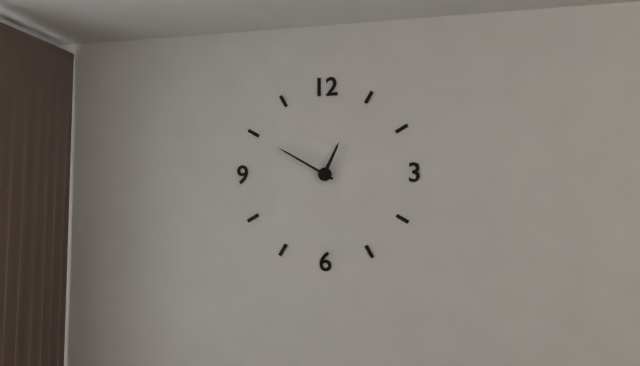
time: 12:50
